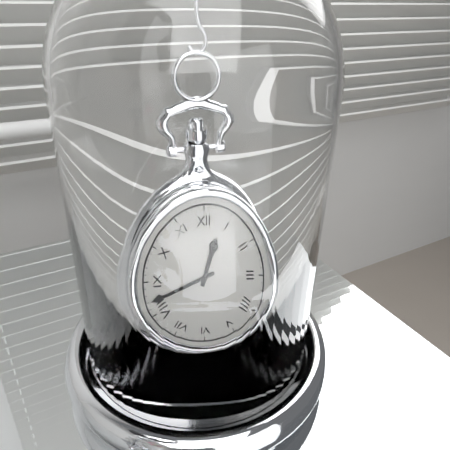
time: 12:42
